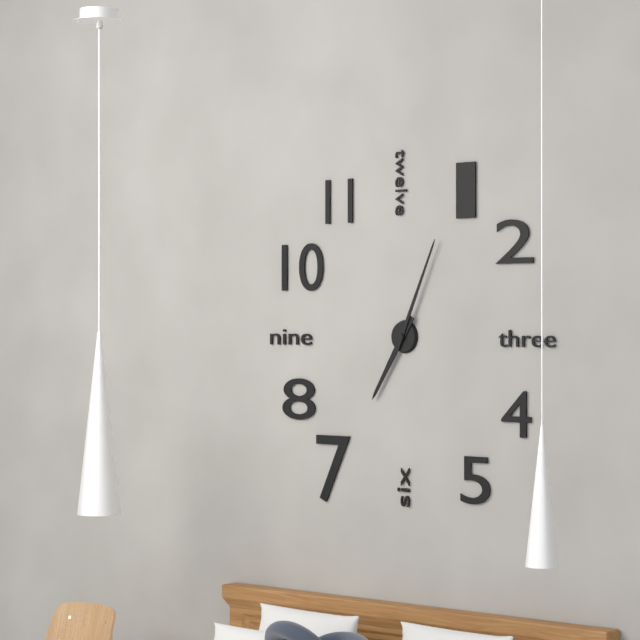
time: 7:04
